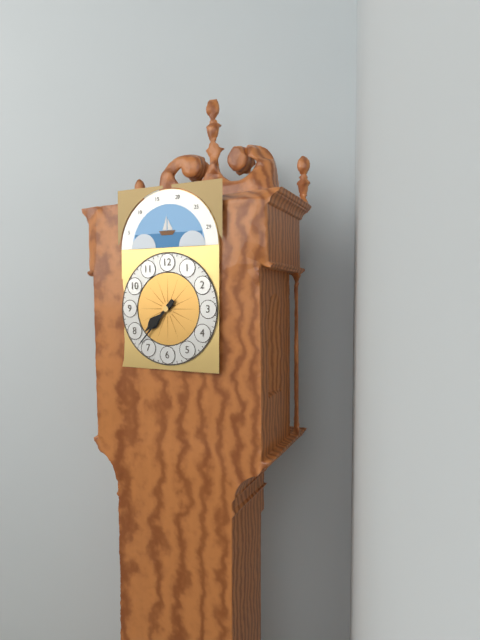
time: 7:37
